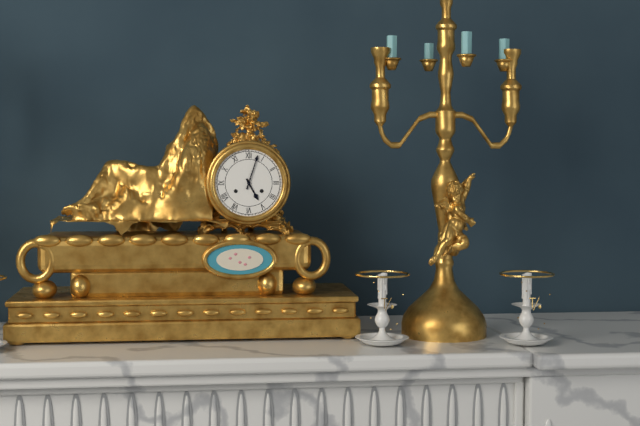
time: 5:03
